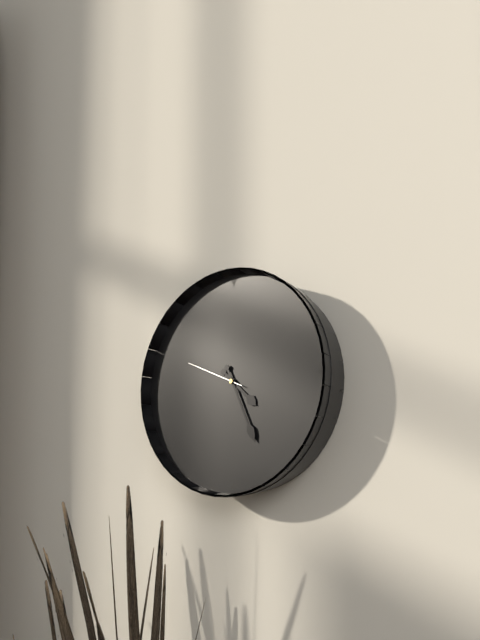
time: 4:26:49
